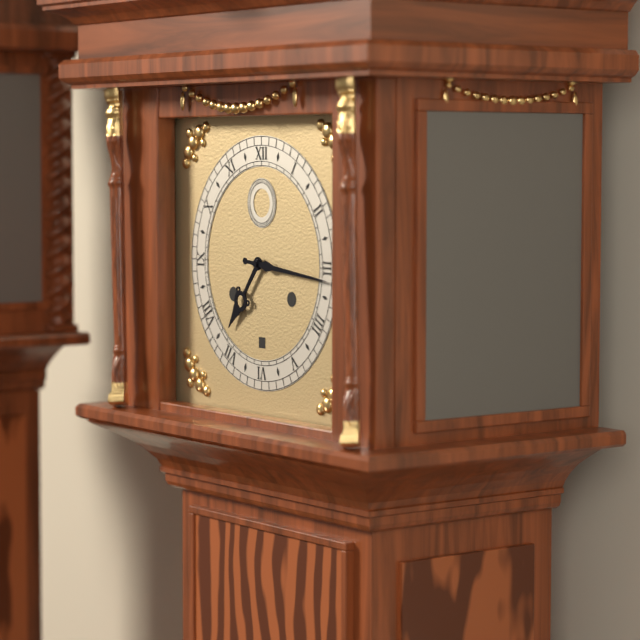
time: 7:16
